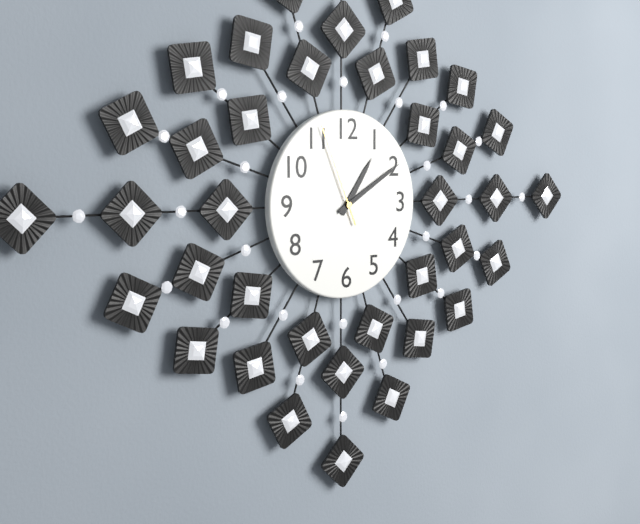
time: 1:10:56
